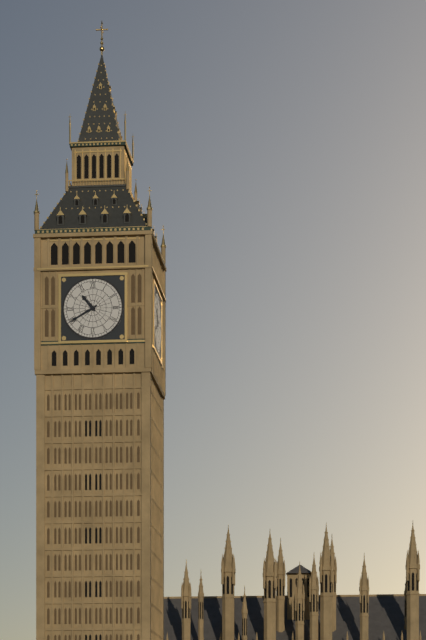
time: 10:40
